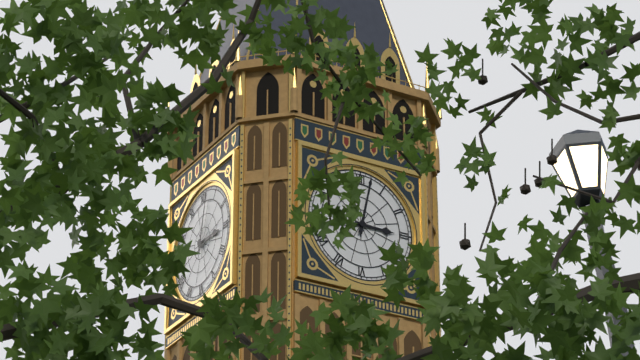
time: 3:02
